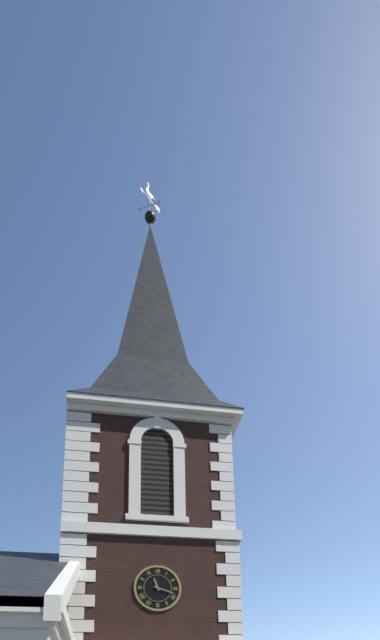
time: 11:18
